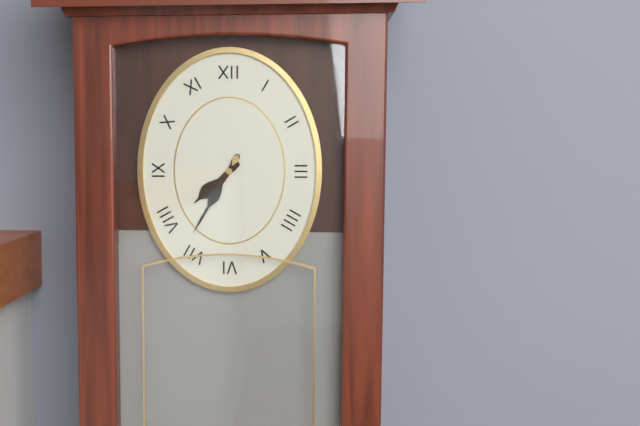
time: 7:35
